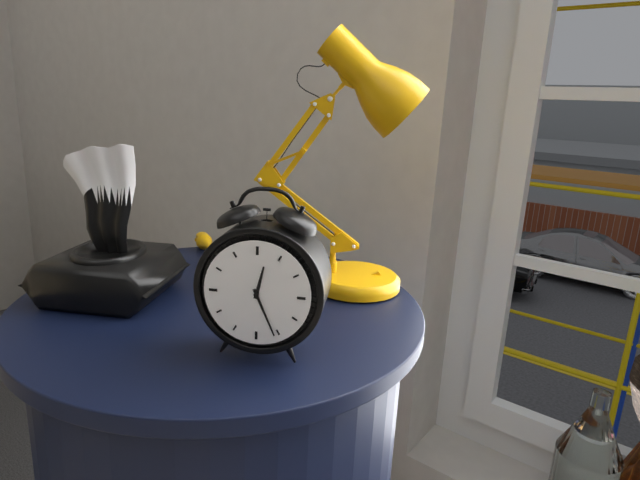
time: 12:26
